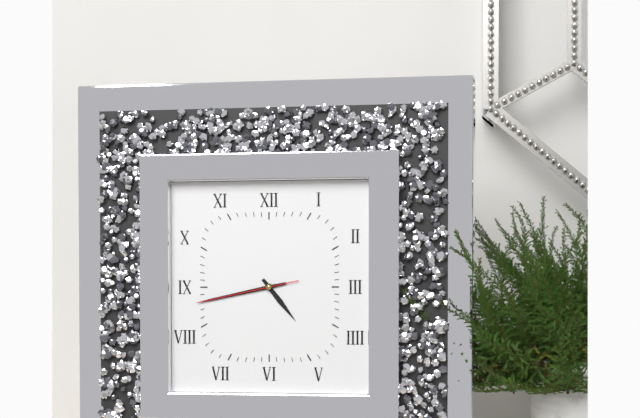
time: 4:43:43
